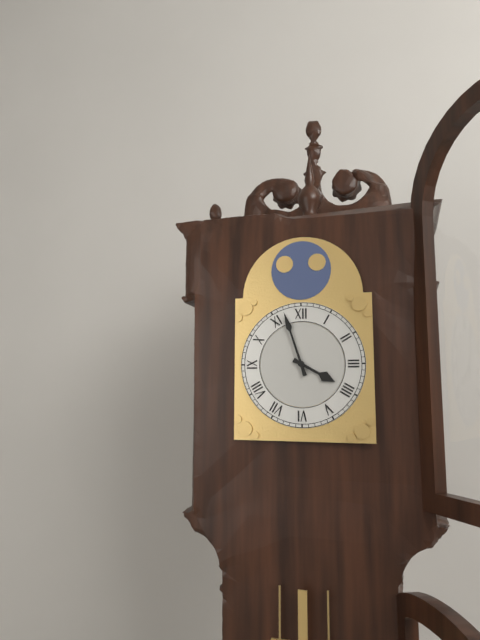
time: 3:57
